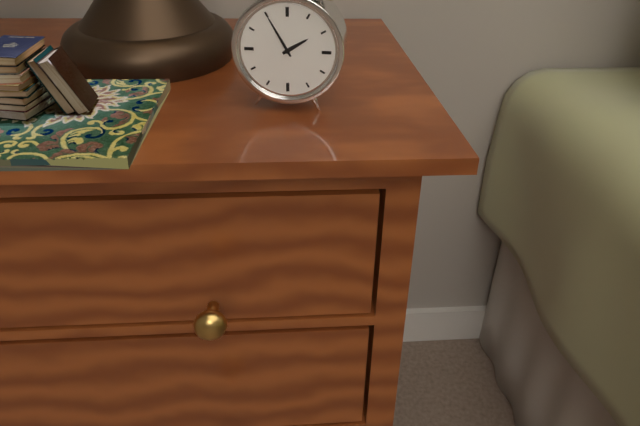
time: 1:55
